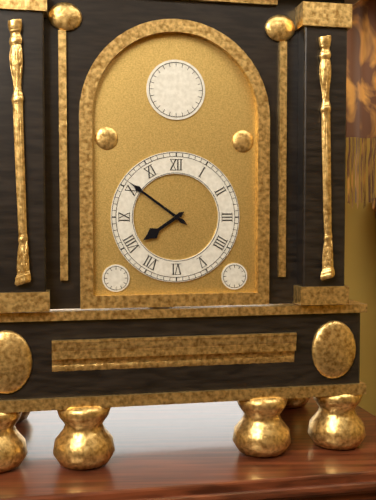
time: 7:51
